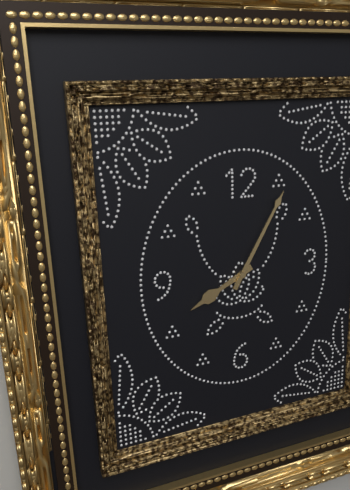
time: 8:05
